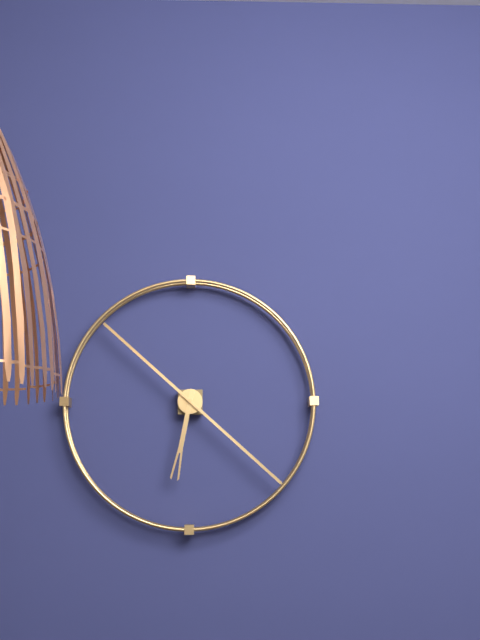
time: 6:22
